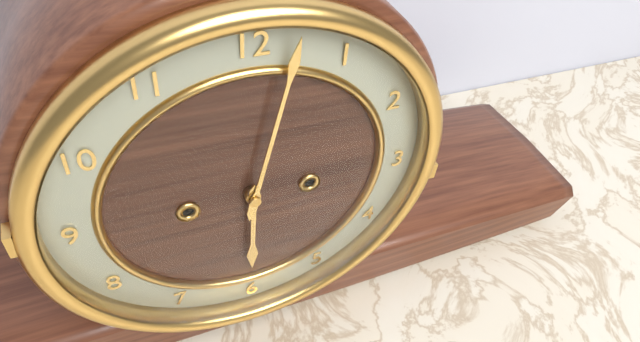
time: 6:02
